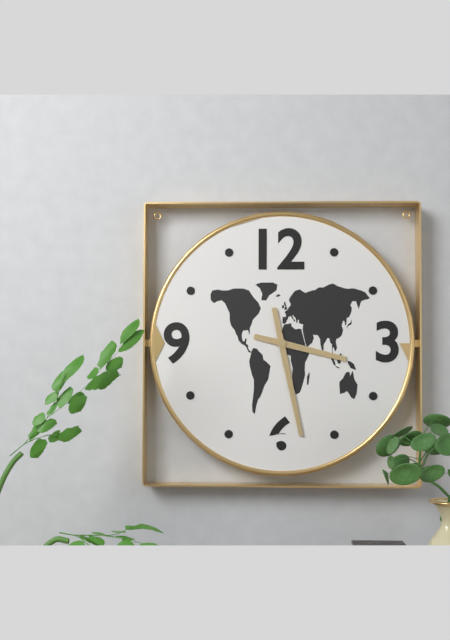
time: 3:28
